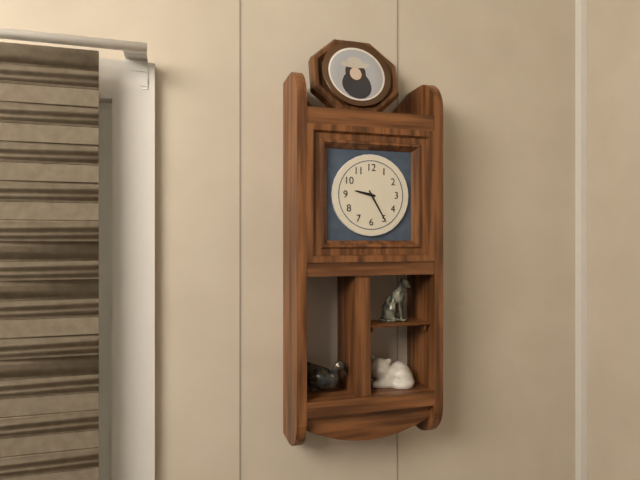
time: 9:25
